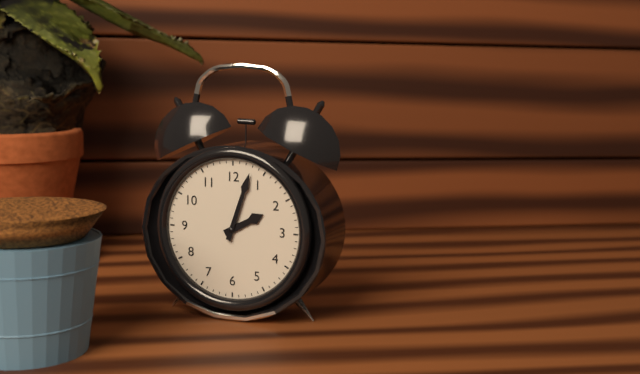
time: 2:03
